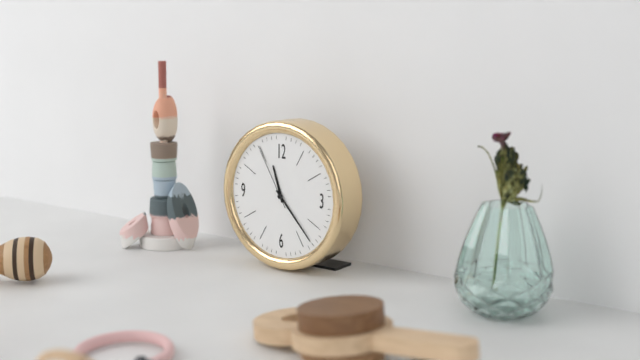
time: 11:23:55
